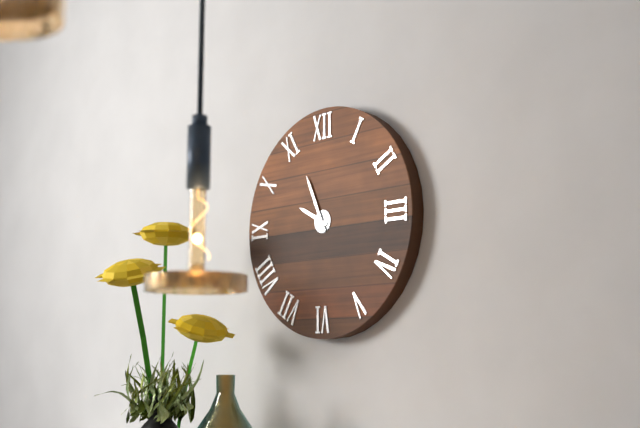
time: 9:56
